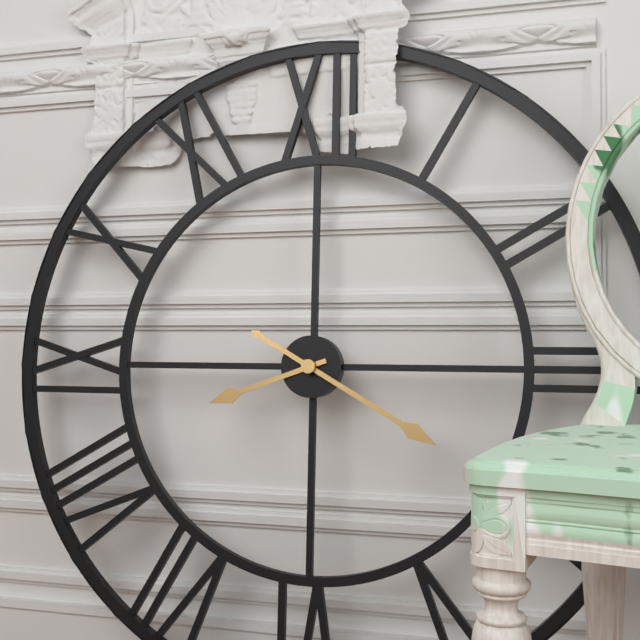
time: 8:20
